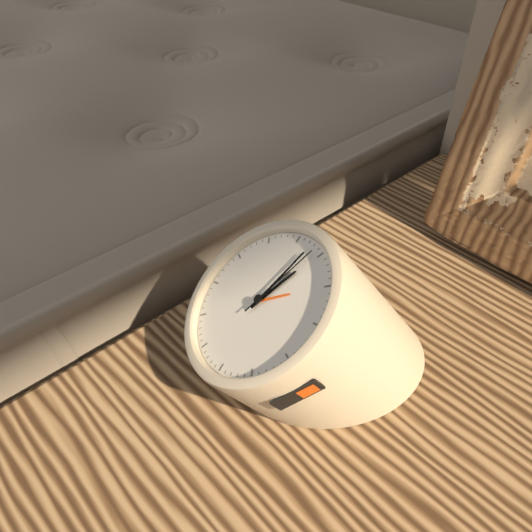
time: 11:58:59
